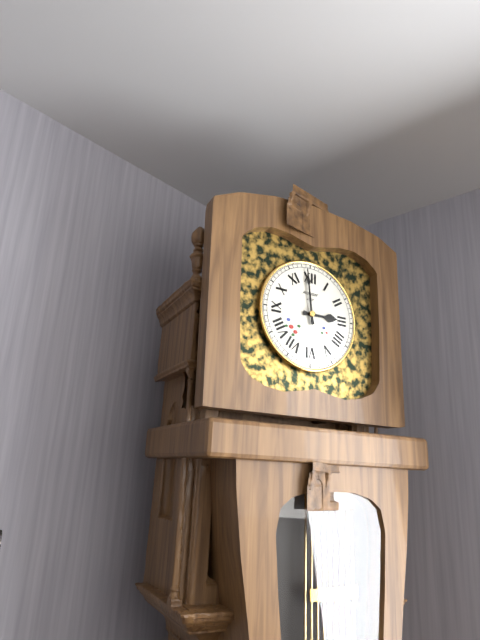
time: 2:59
